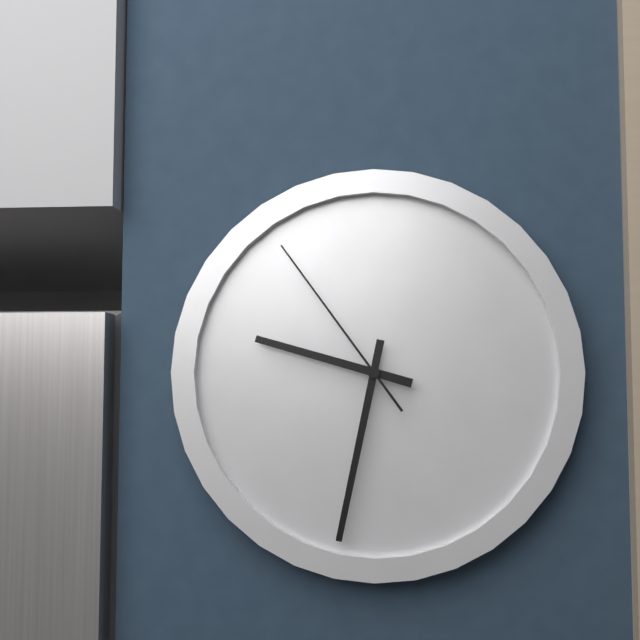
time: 9:32:54
